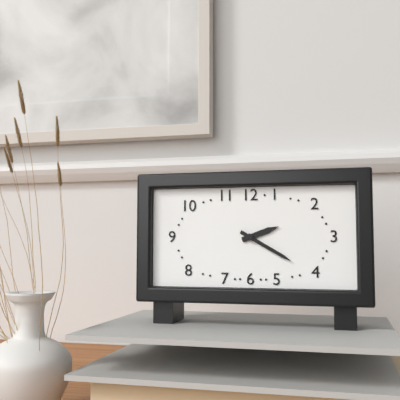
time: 2:20
